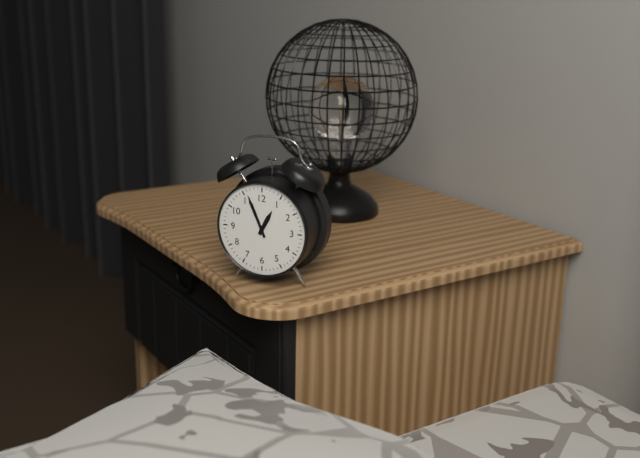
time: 12:56
